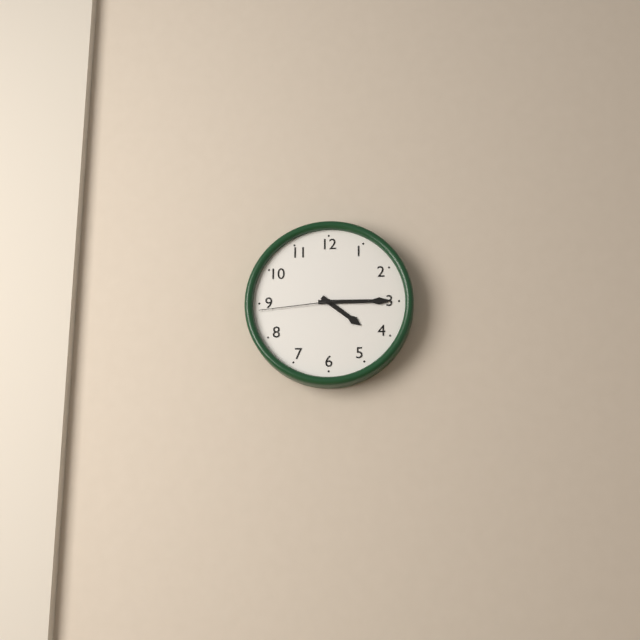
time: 4:15:44
